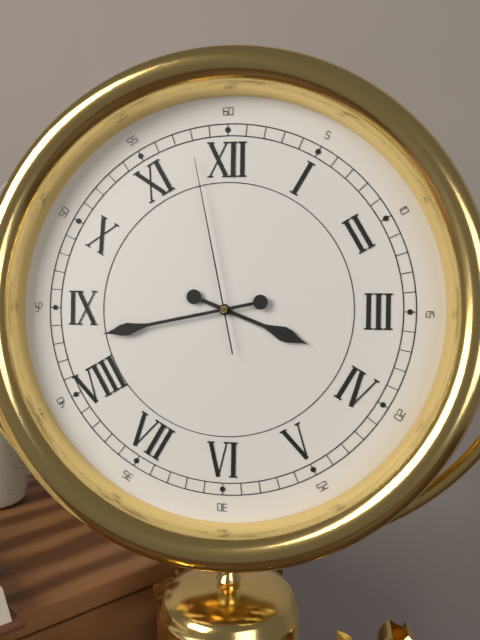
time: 3:43:58
